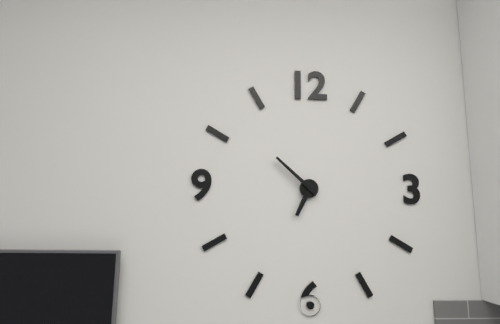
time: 6:52
